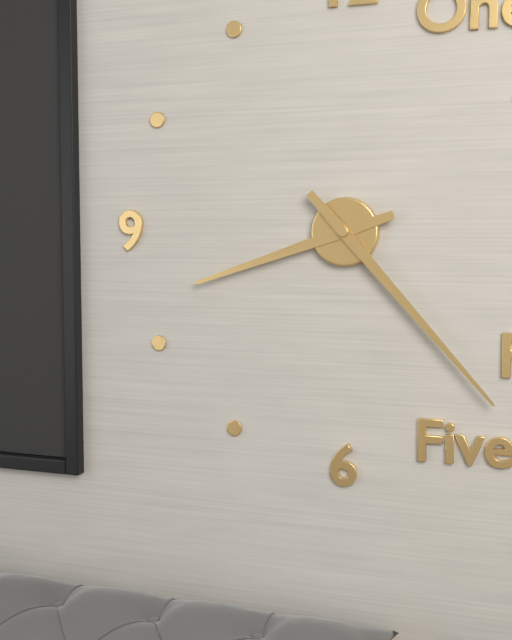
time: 8:23
